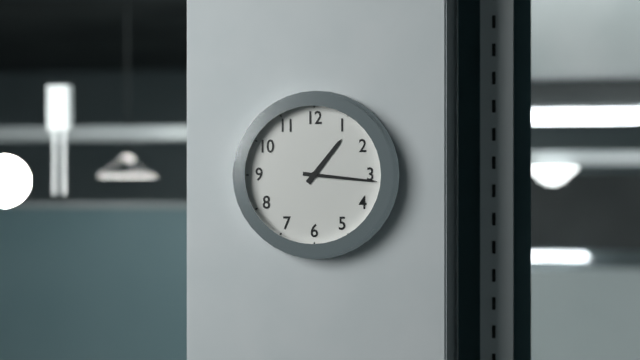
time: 1:16
